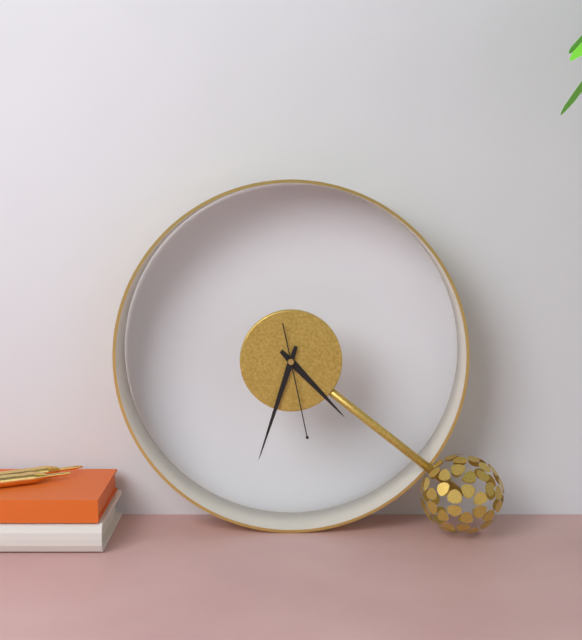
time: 4:33:28
